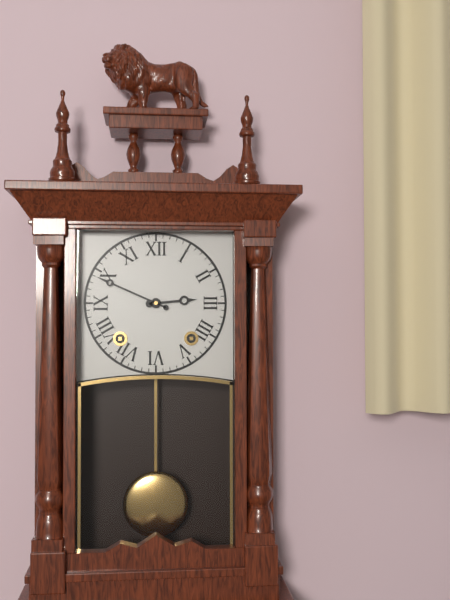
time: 2:49
